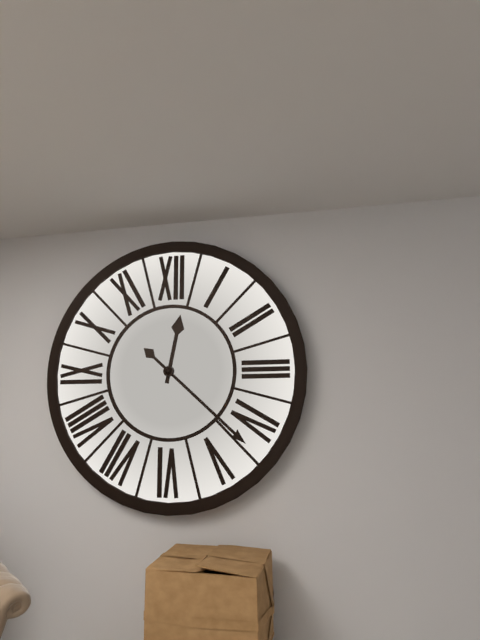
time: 12:22
